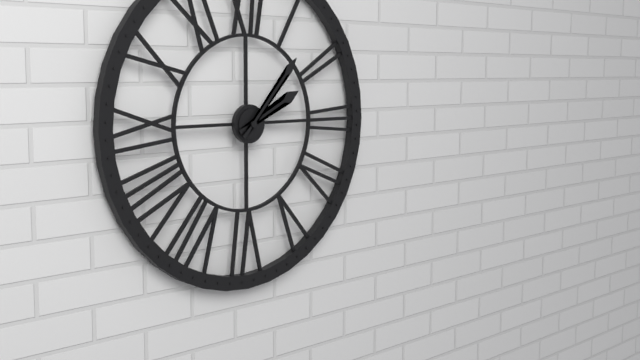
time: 2:07
